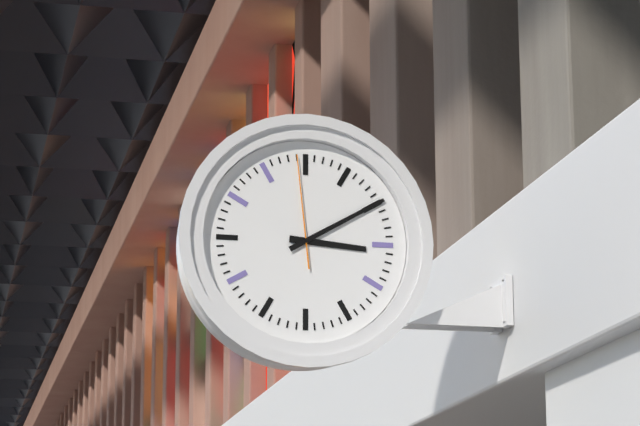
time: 3:10:59
